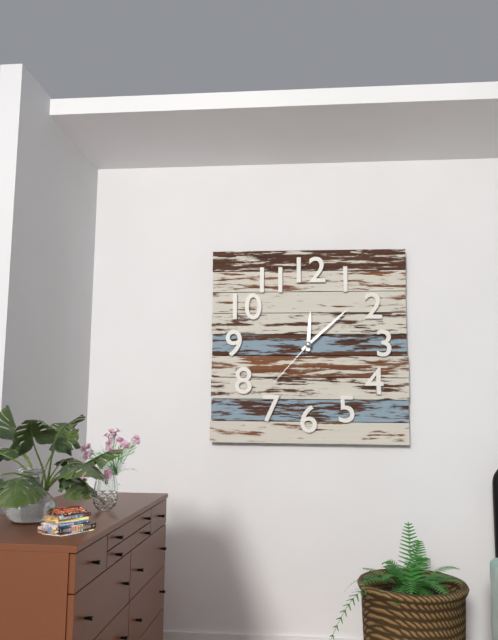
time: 12:08:37
